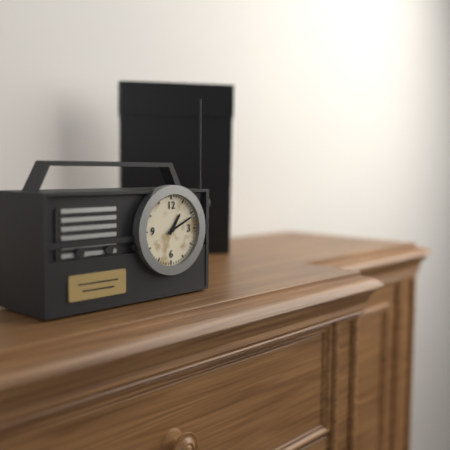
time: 1:11
